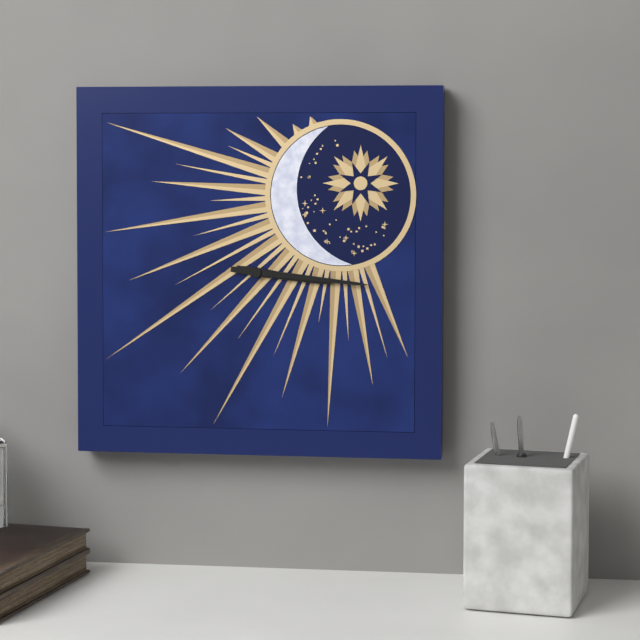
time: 3:16
